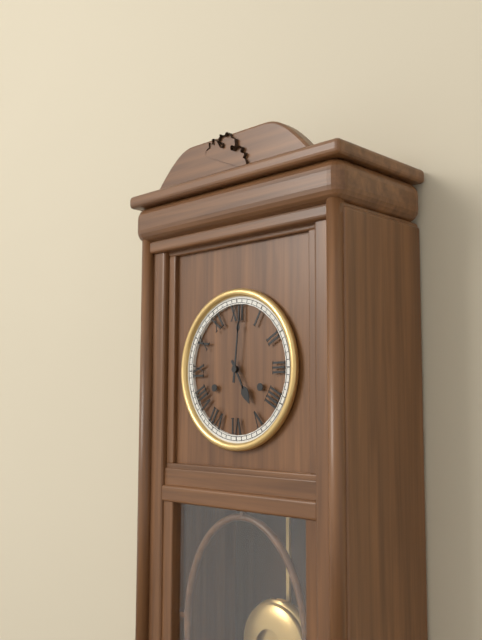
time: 5:01
